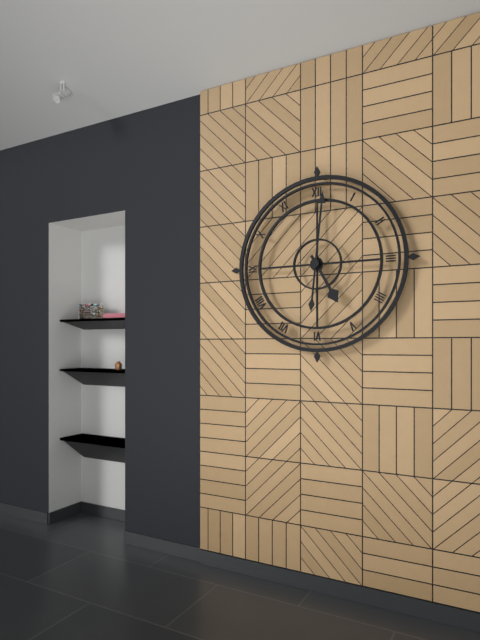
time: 5:01
